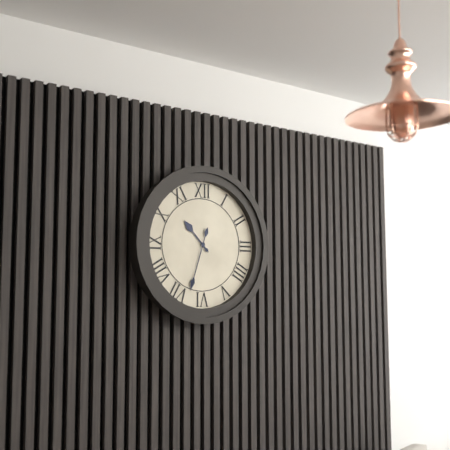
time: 10:33
